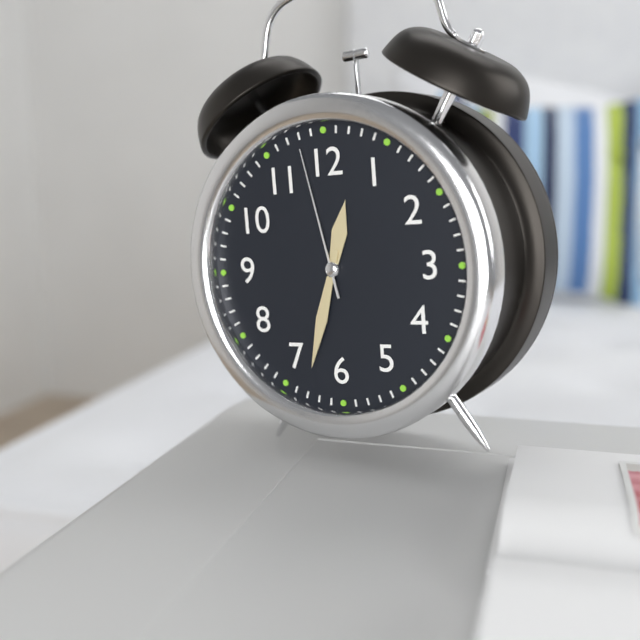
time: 12:33:58
